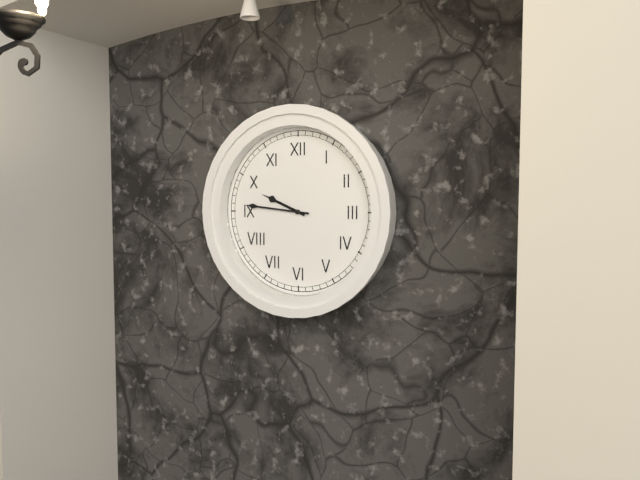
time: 9:46
